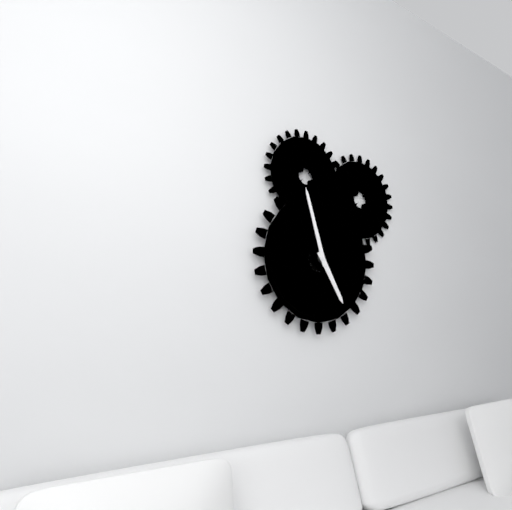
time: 4:57
